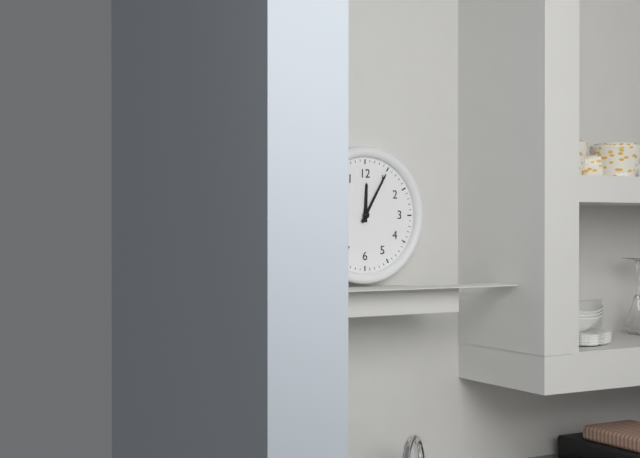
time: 12:05
